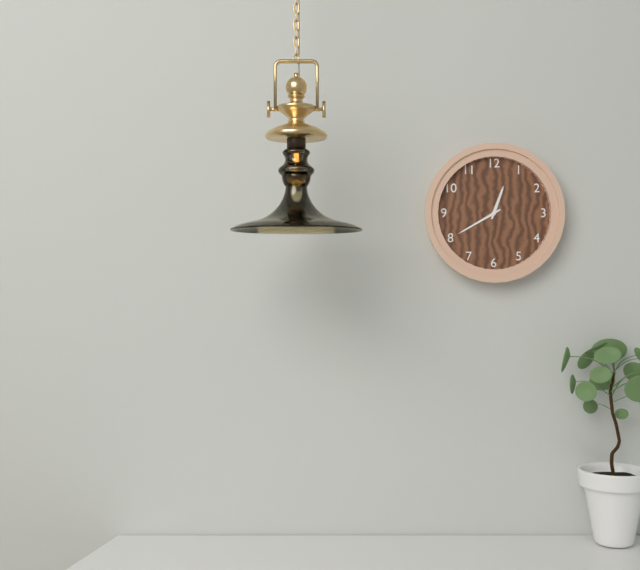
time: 12:40
